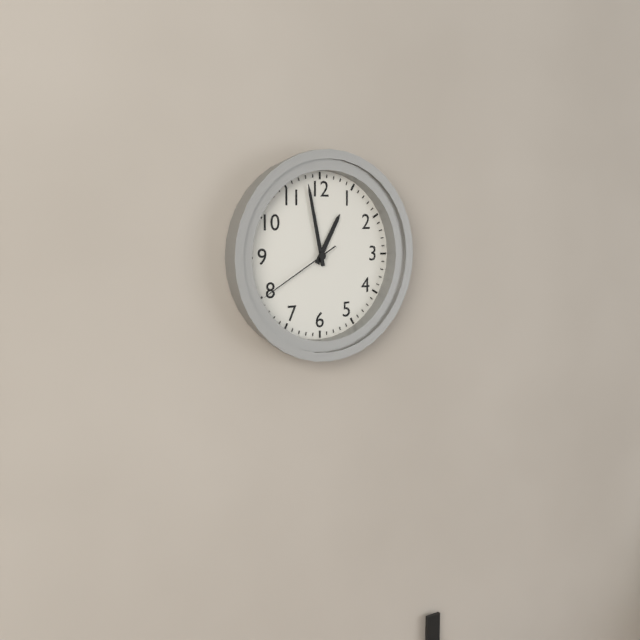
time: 12:58:40
